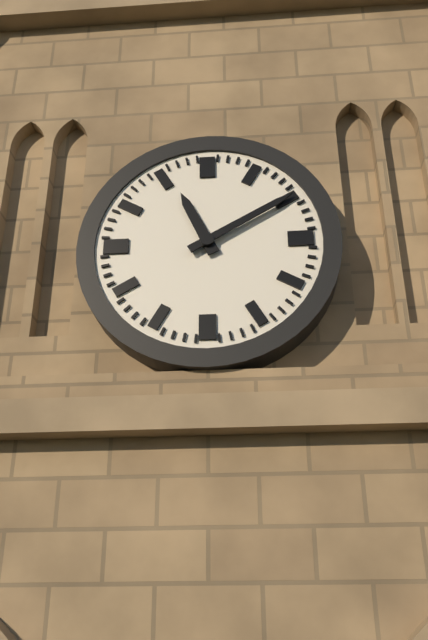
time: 11:10
